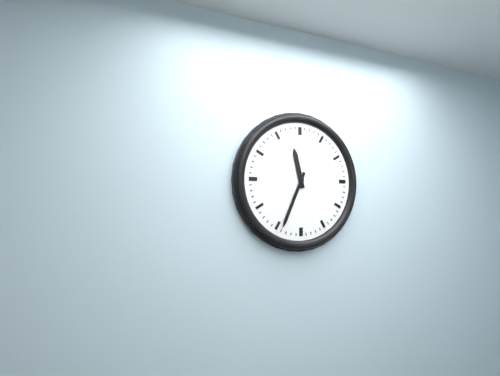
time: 11:34
